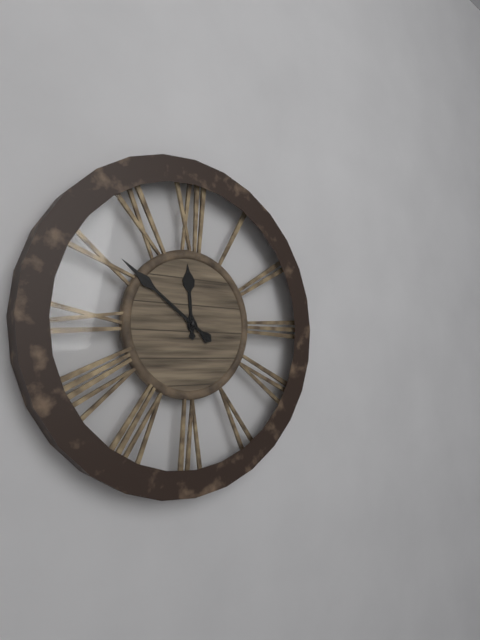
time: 11:51
